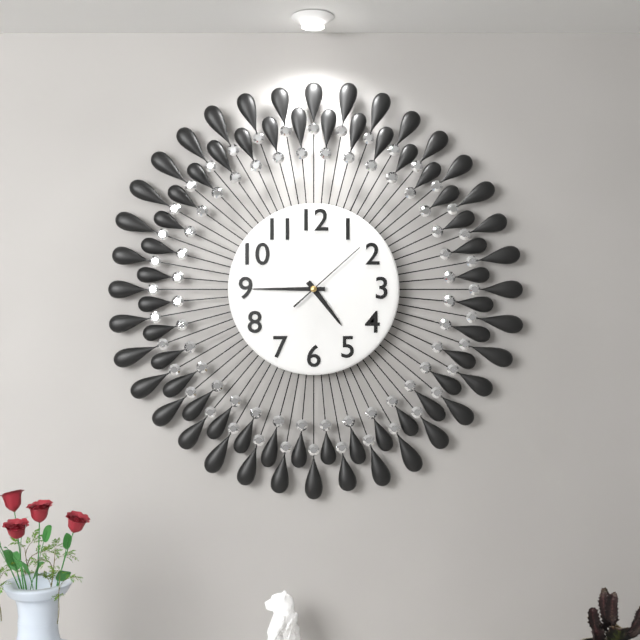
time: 4:45:08
